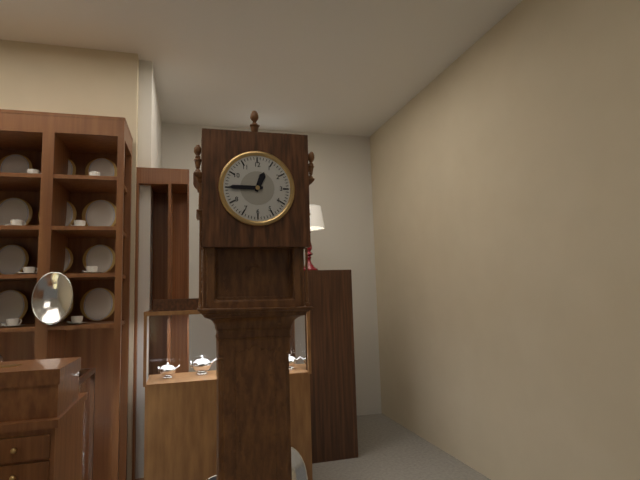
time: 12:45
